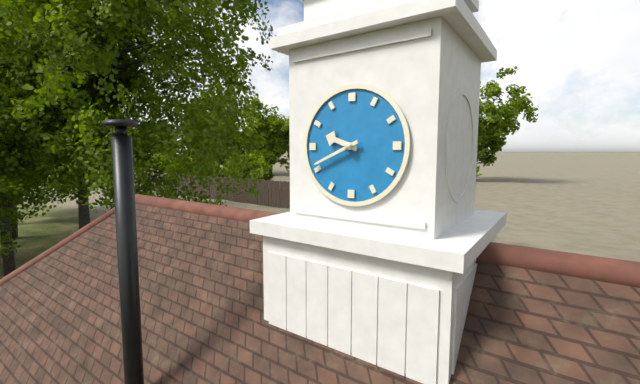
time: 9:41
